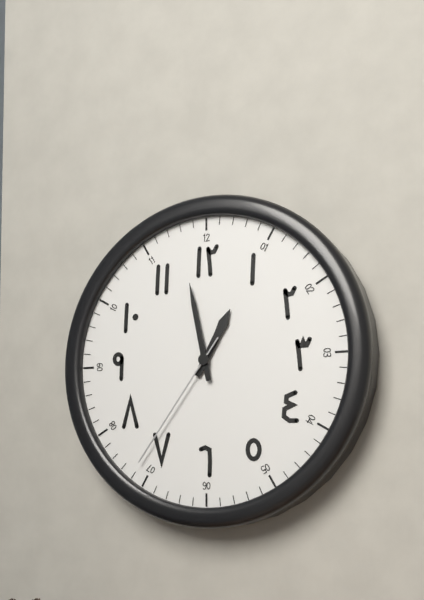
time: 12:58:36
